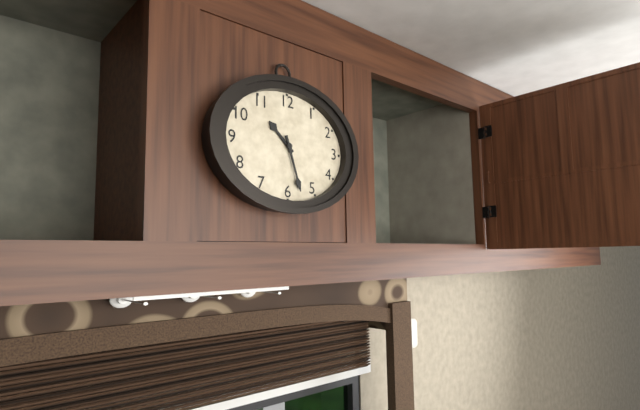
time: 10:27
